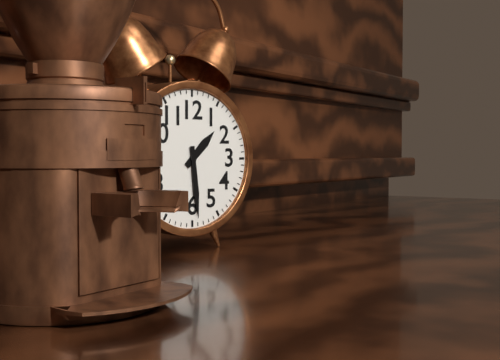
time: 1:29
